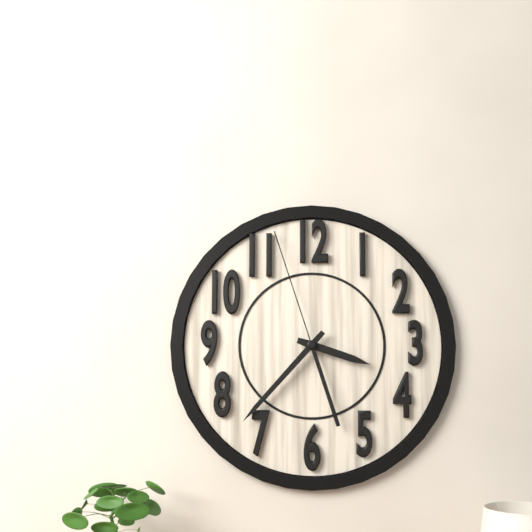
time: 3:37:57
